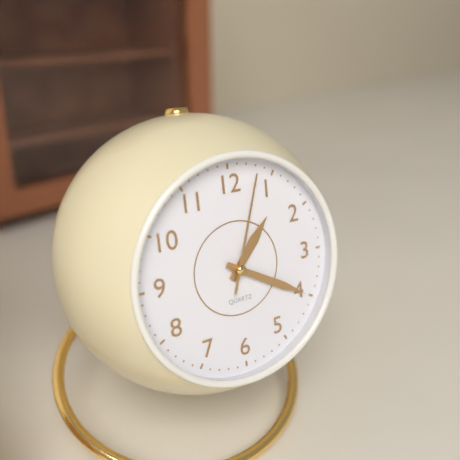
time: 1:20:03
